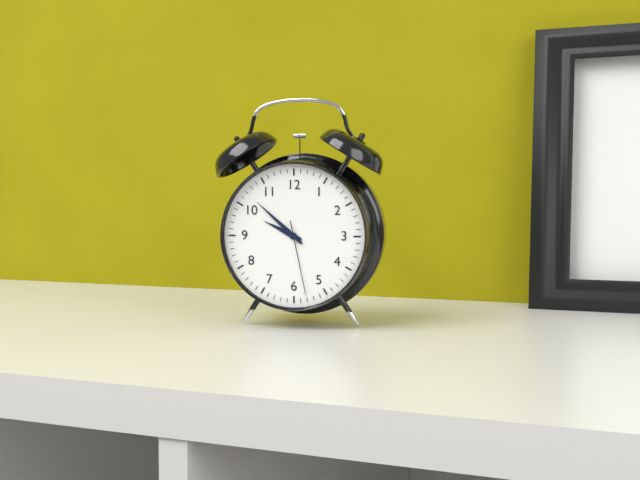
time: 9:52:28
